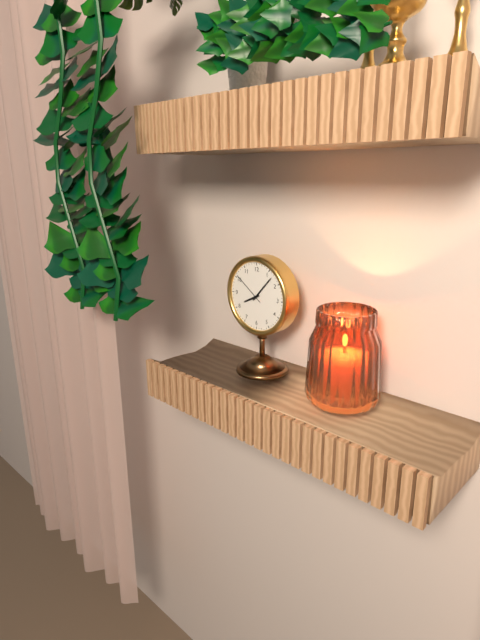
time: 8:07
